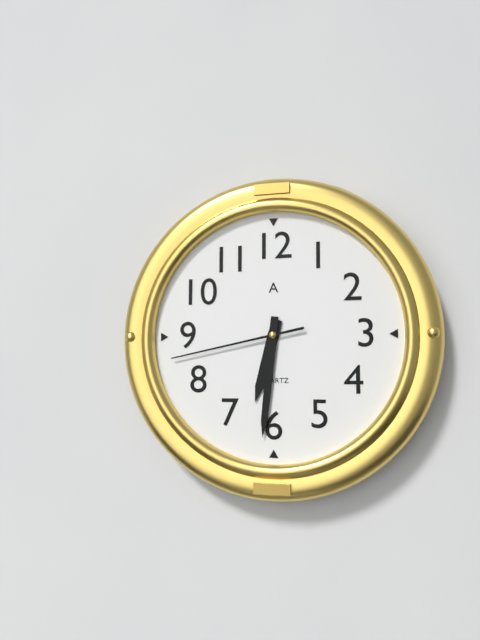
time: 6:31:43
